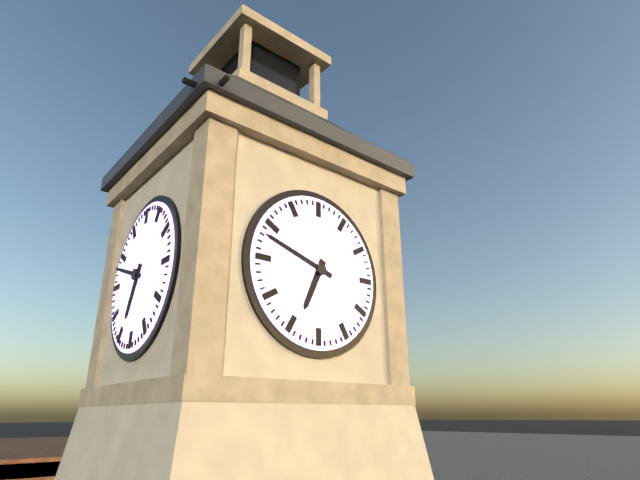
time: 6:48
